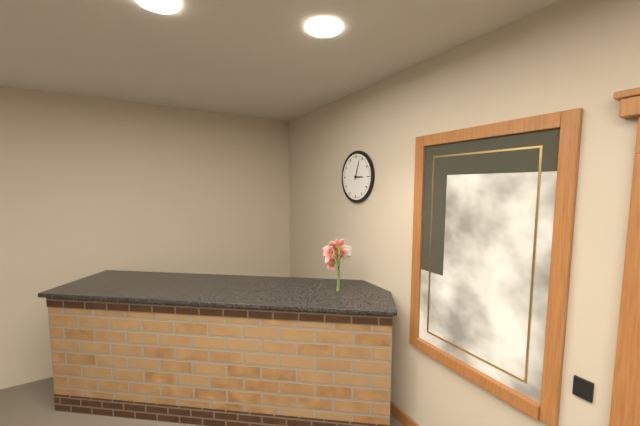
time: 3:03
